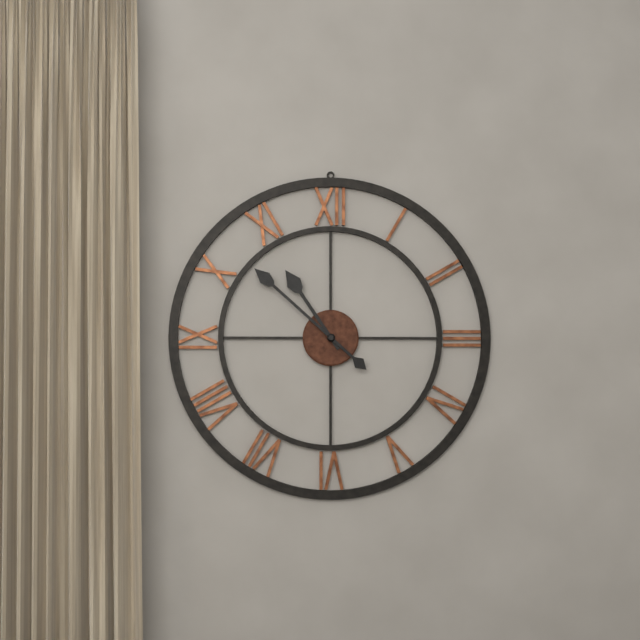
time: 10:52
